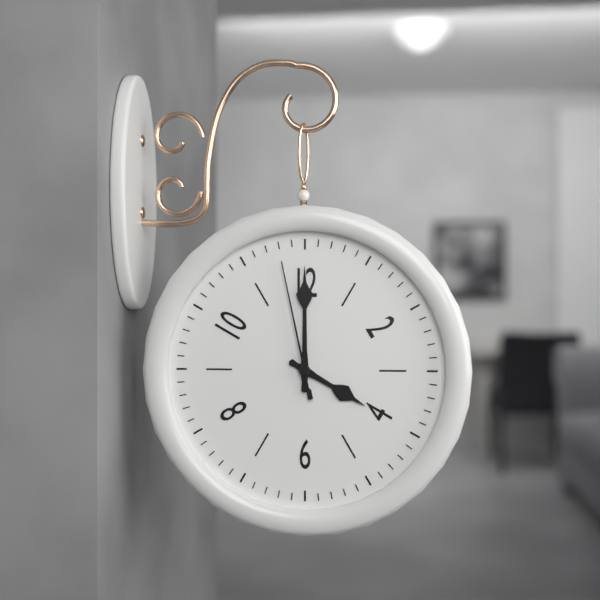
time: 4:00:58
